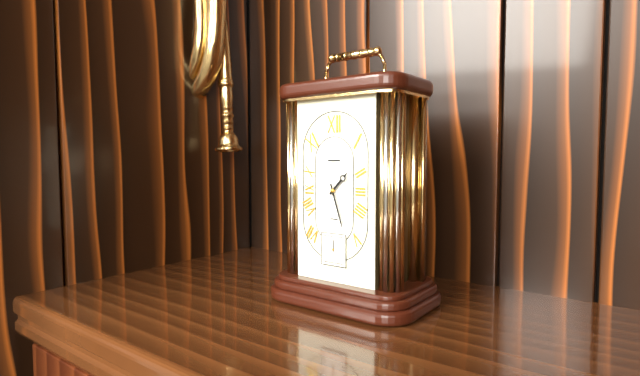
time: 1:27
